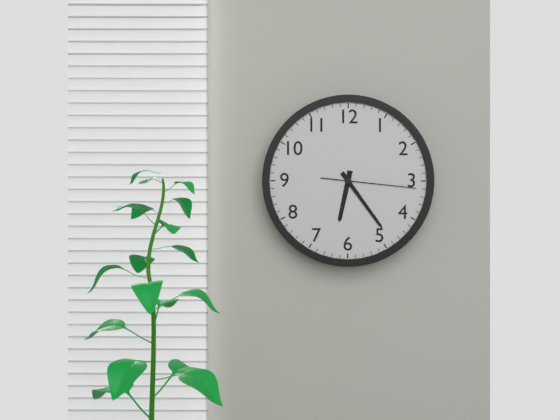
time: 6:24:16
